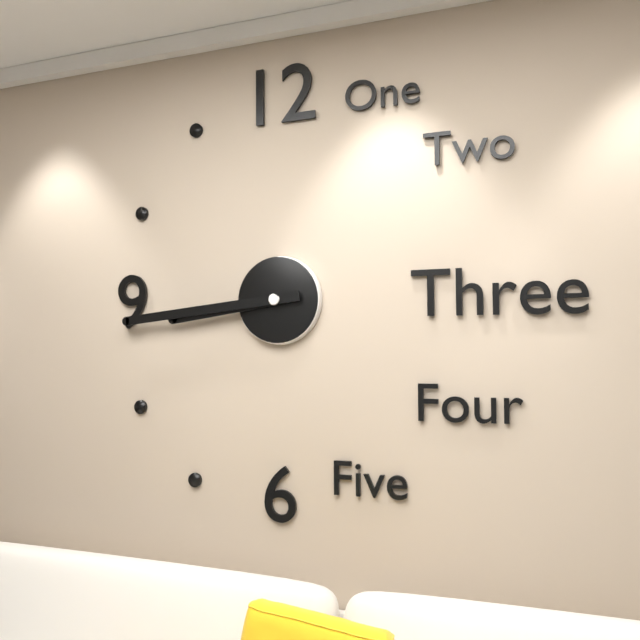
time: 8:44
